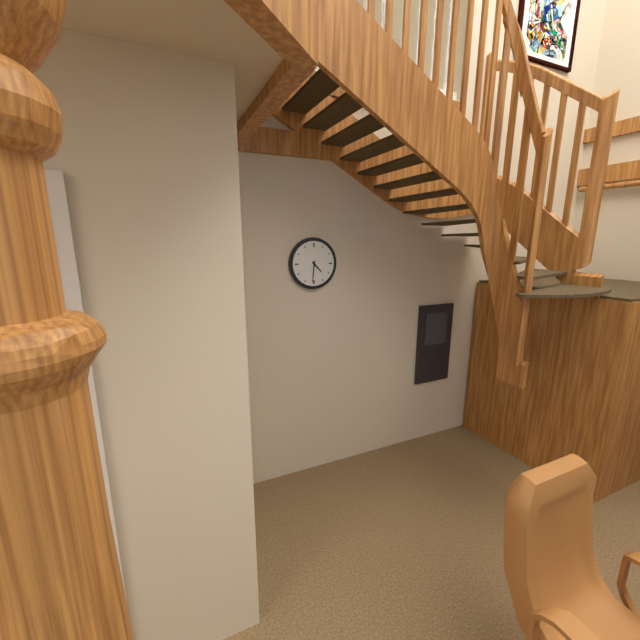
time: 4:31
